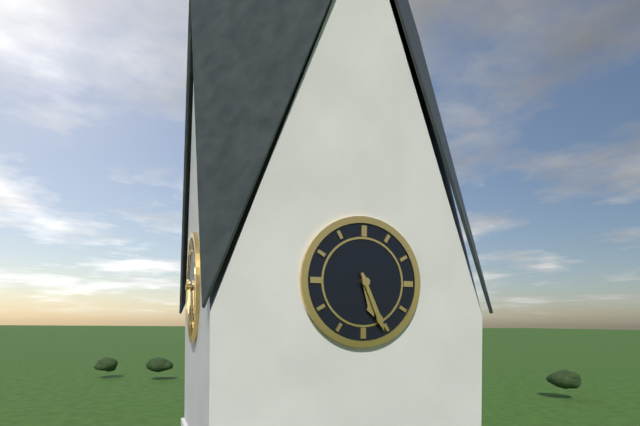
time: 5:26
